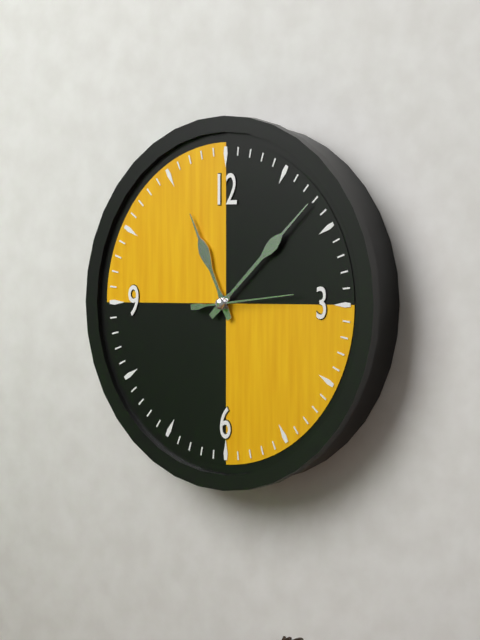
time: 11:08:14
